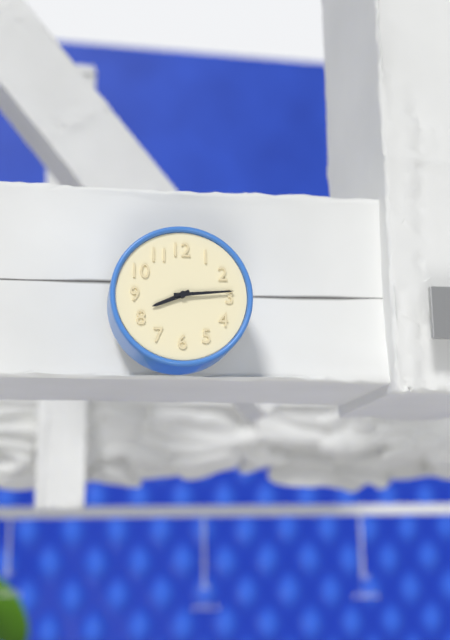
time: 8:14
